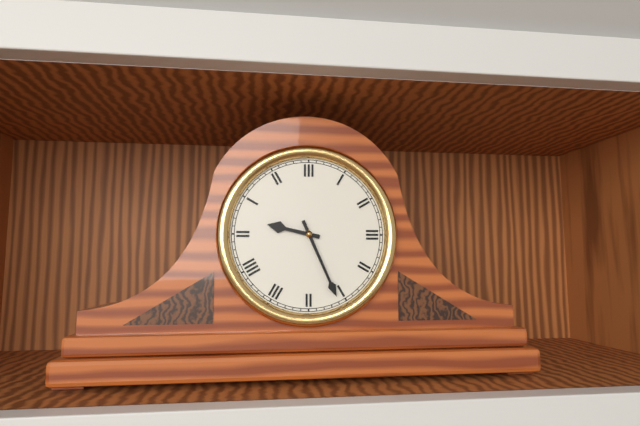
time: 9:26
